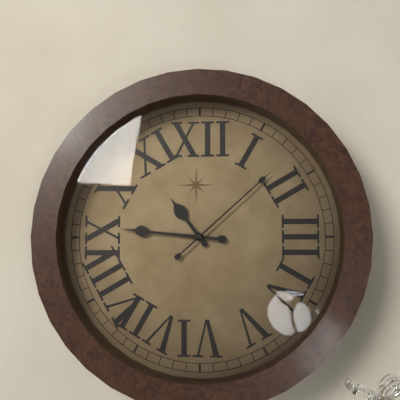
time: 10:46:08
